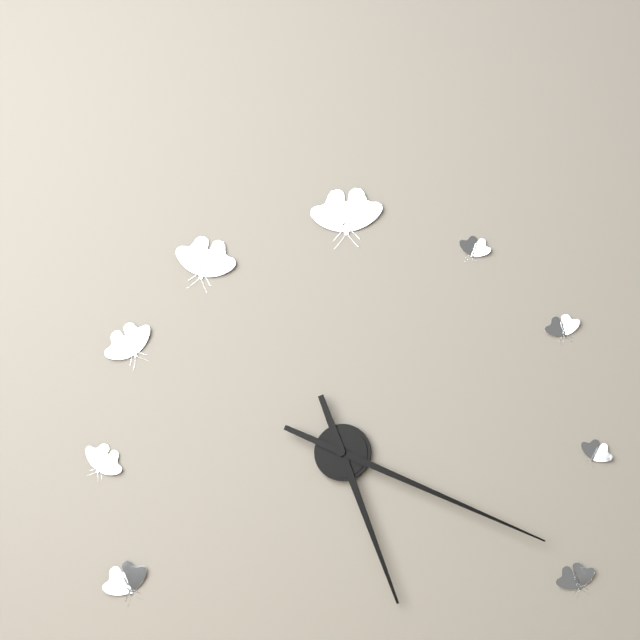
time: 5:19
